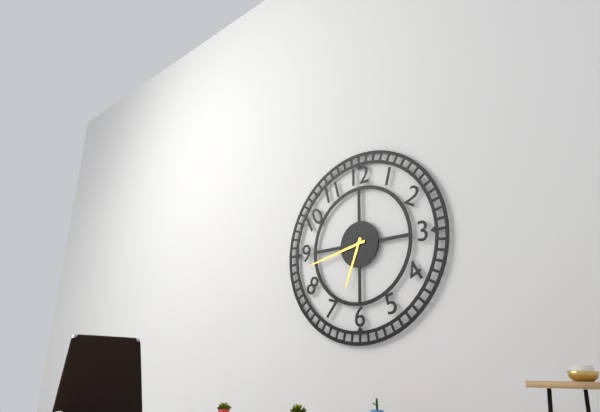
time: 6:43
